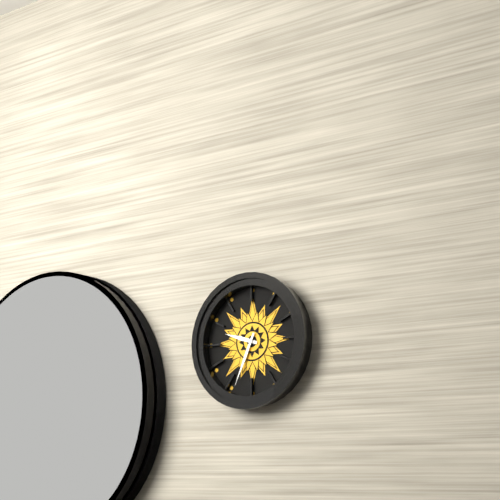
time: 9:34
